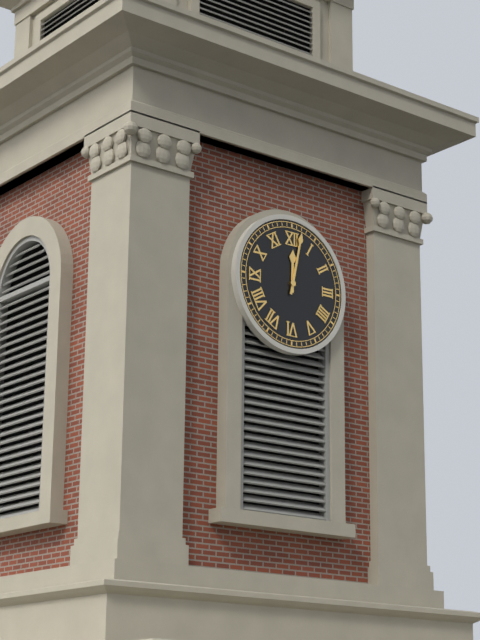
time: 12:02
